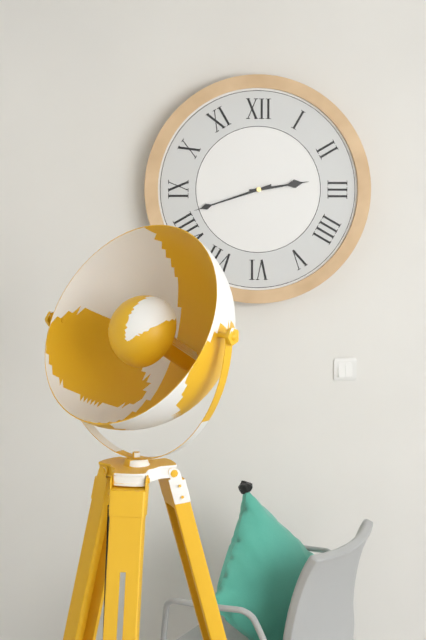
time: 2:42
